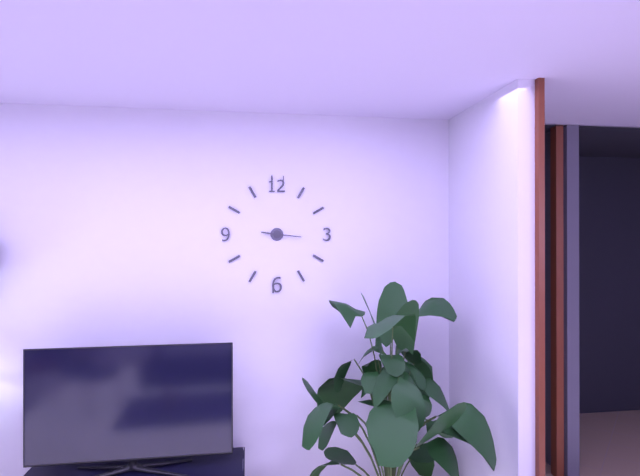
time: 9:16
